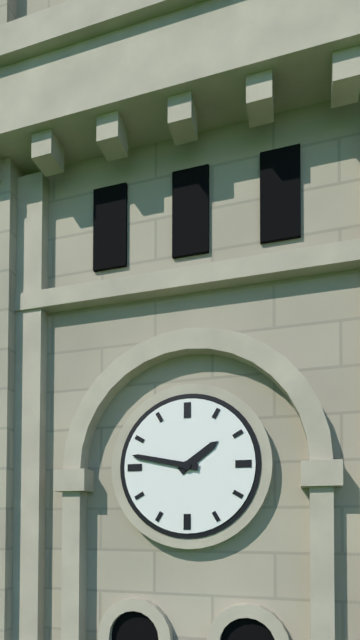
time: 1:47
